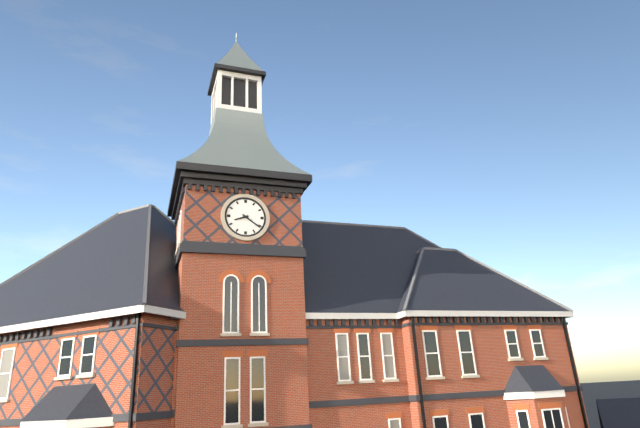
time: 8:21
